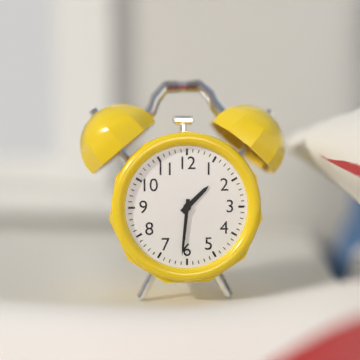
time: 1:31
